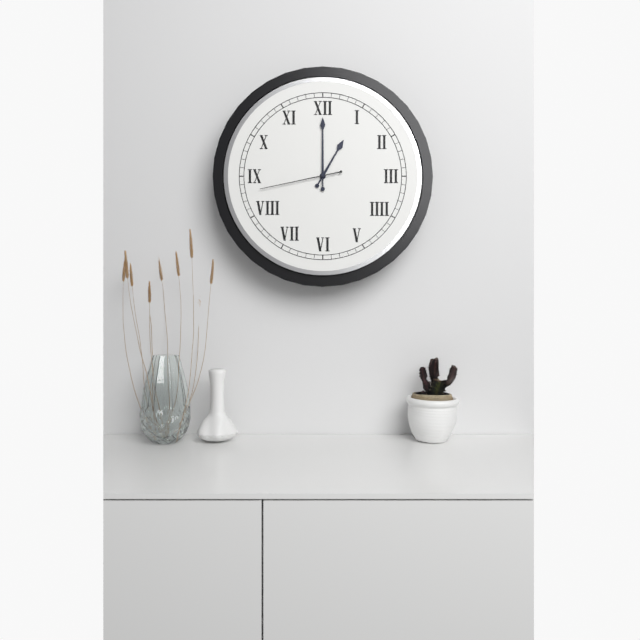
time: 1:00:43
